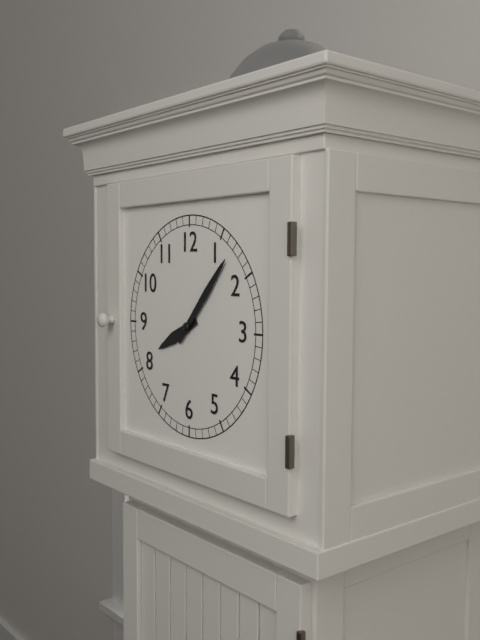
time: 8:07
